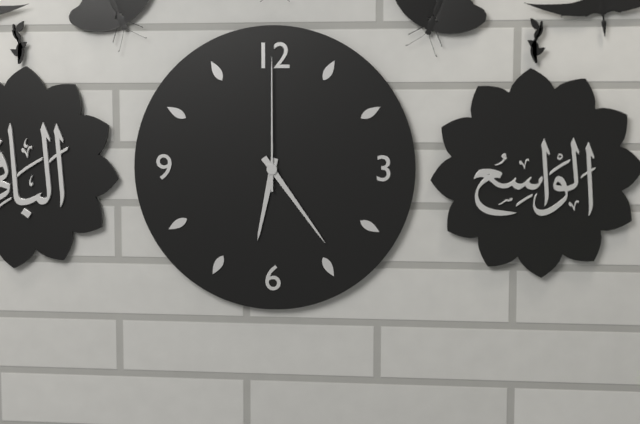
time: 6:24:00
